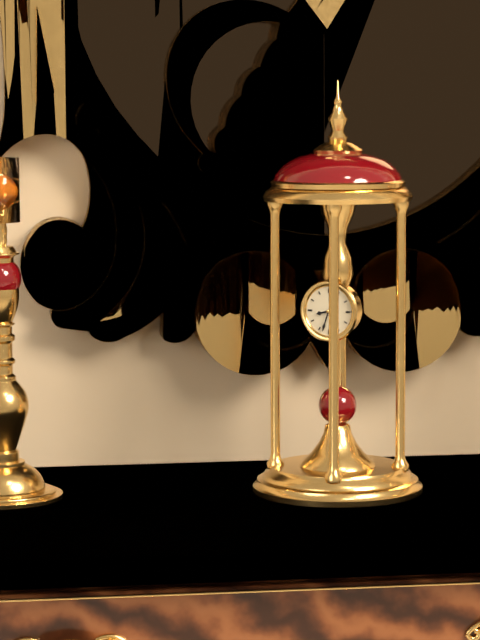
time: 8:33
